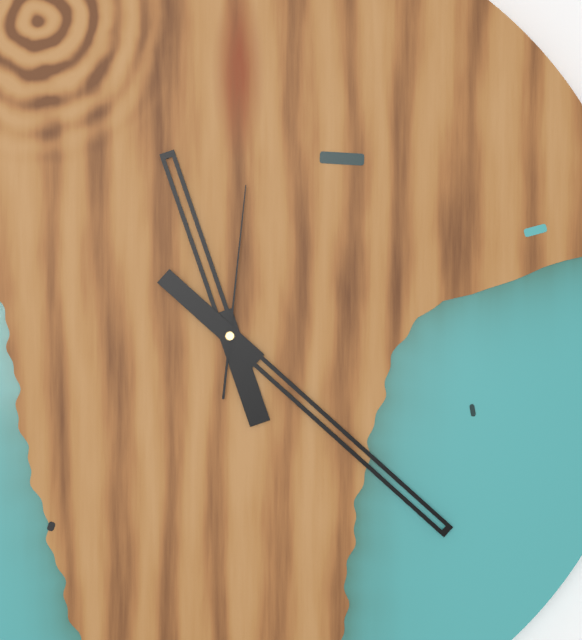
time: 11:22:01
